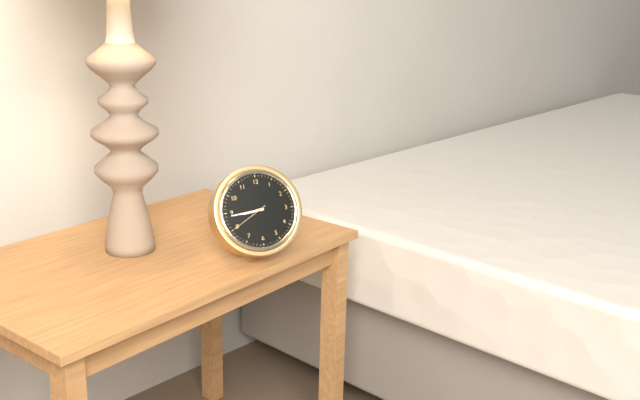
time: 8:44
